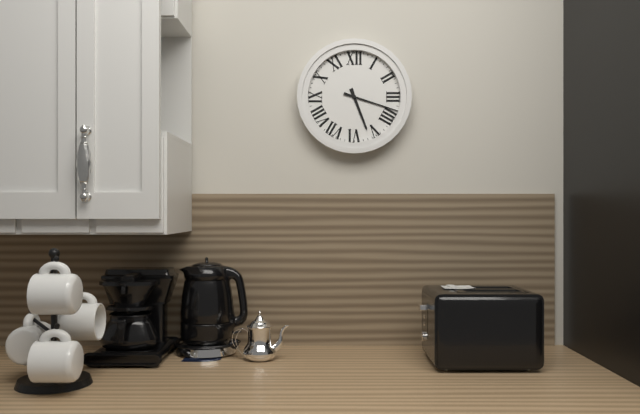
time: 5:18
